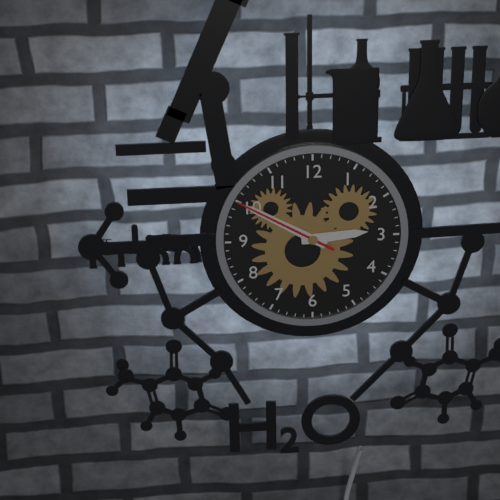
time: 2:50:50
